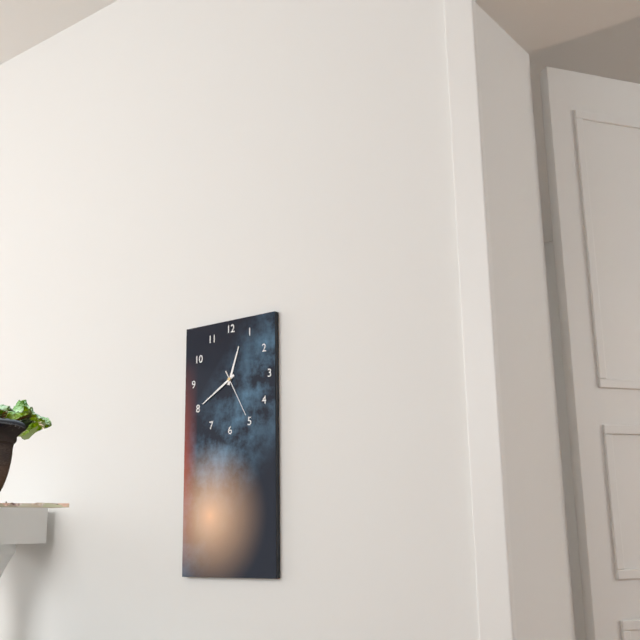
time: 12:40
